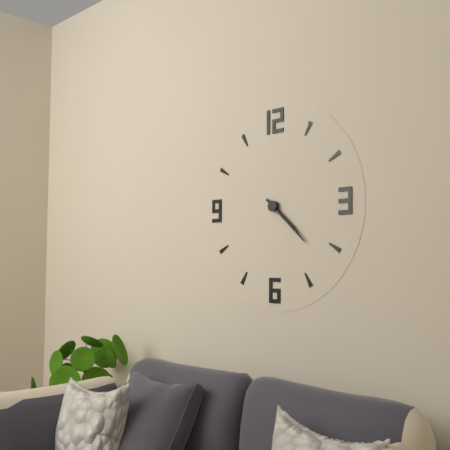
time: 4:22
